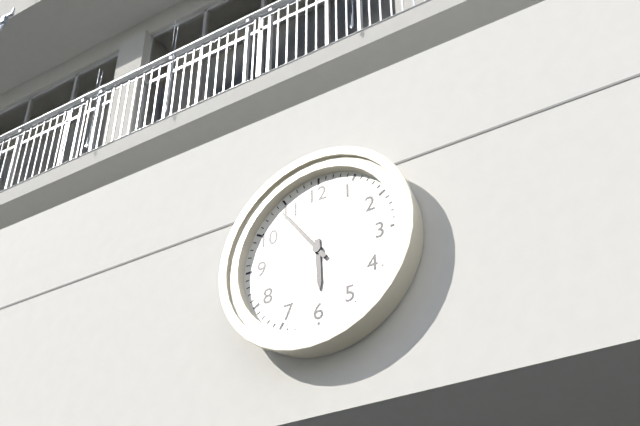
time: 5:54
